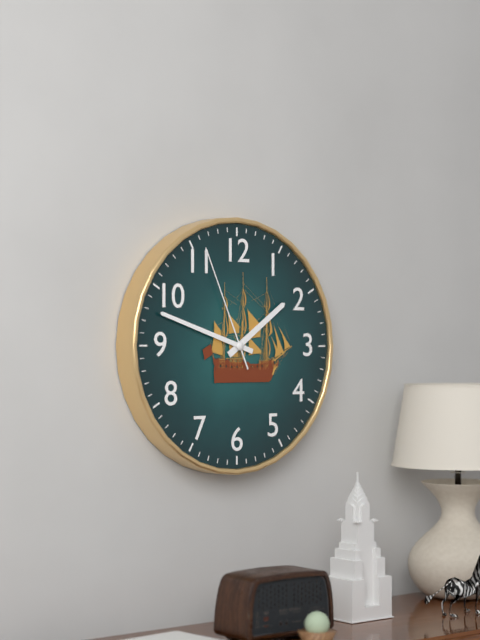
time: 1:48:56
